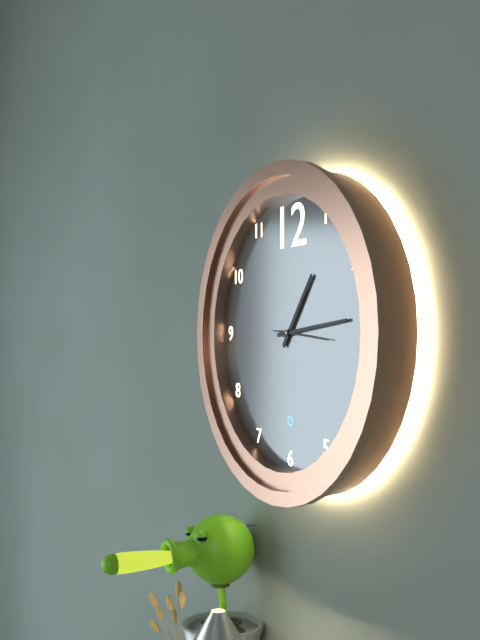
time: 1:14:16
